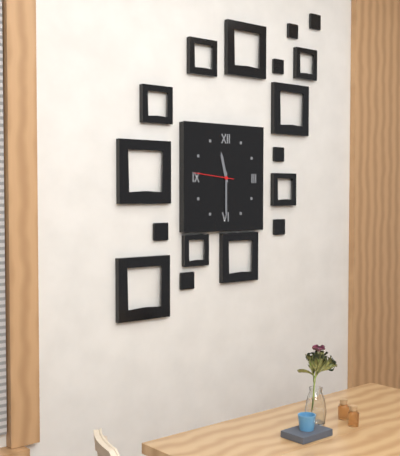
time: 11:30
